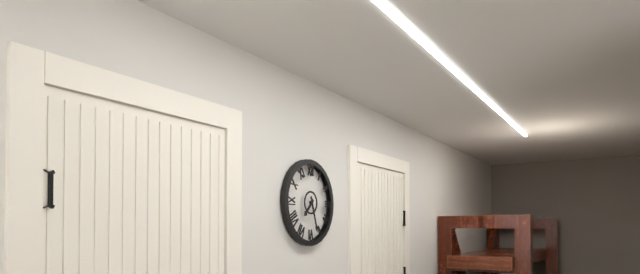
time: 7:27
